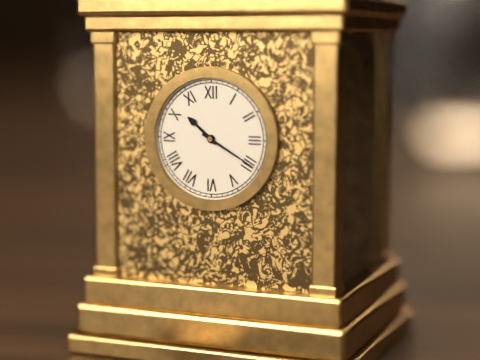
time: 10:20
